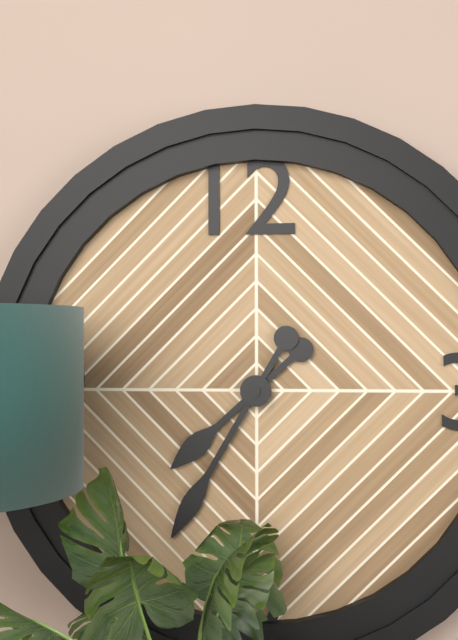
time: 7:35
